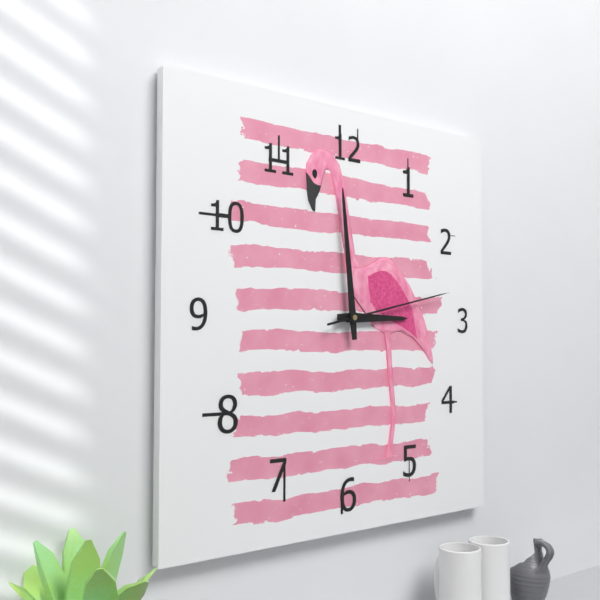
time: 2:59:13
